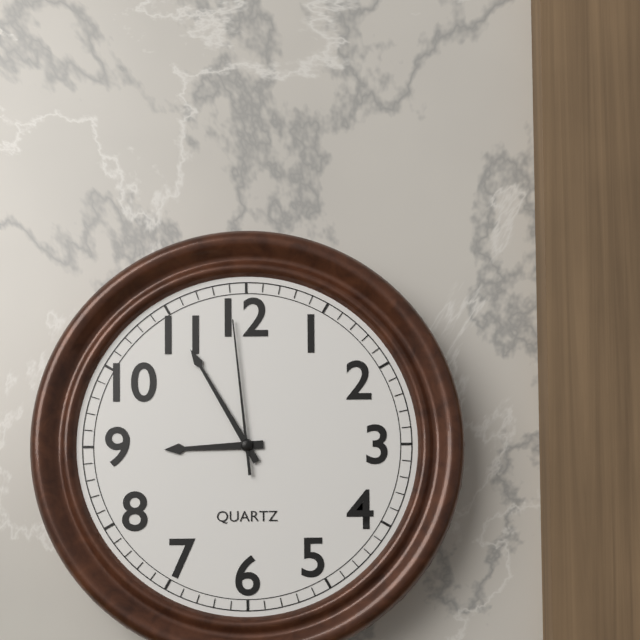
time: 8:55:59
